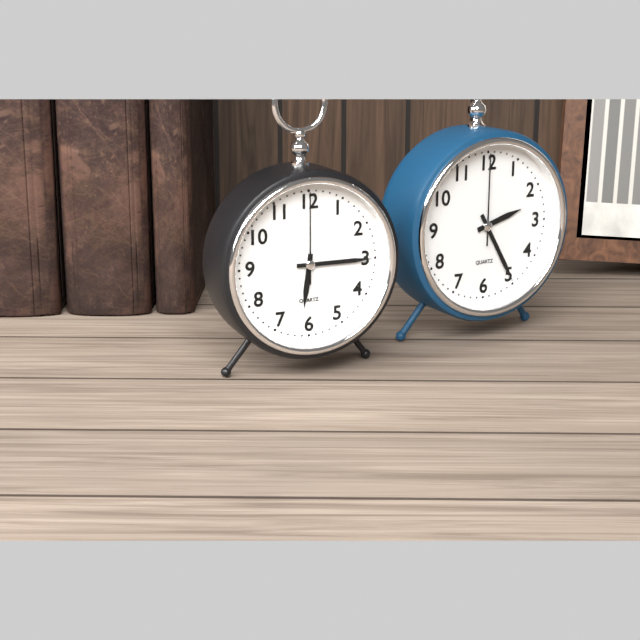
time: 6:15:00
